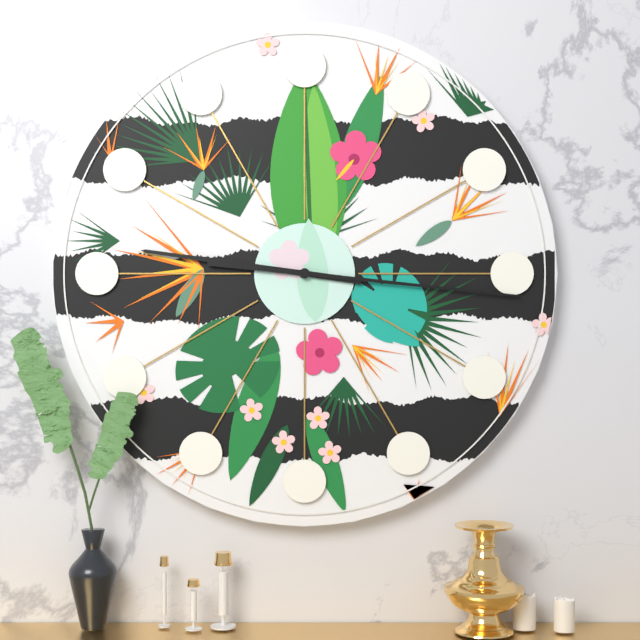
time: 9:16
